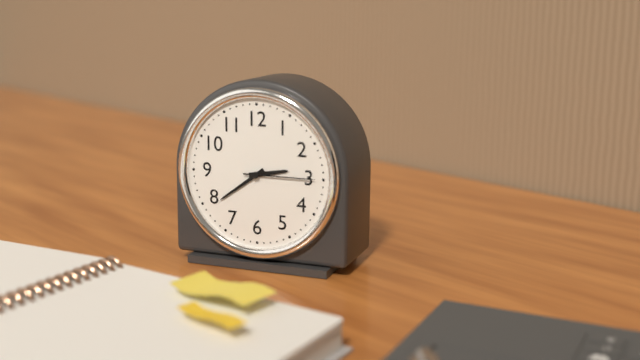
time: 2:39:15
